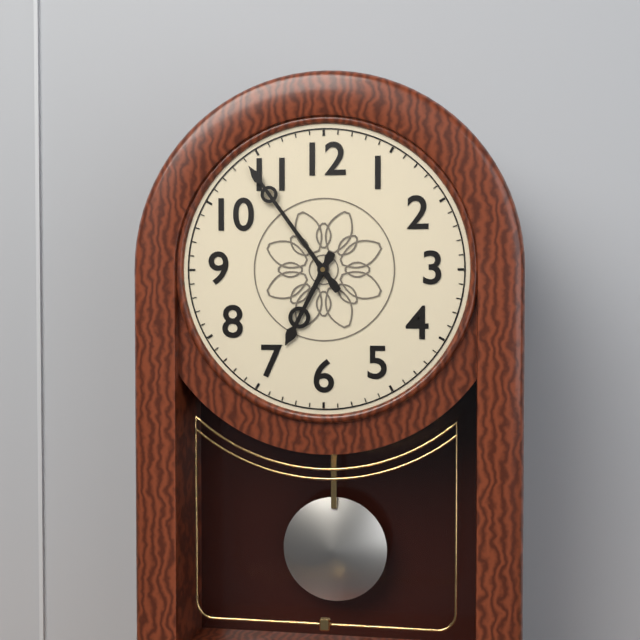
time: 6:54
